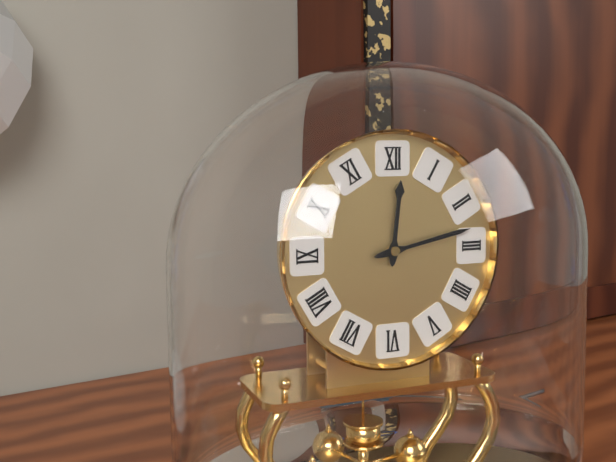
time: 12:13
